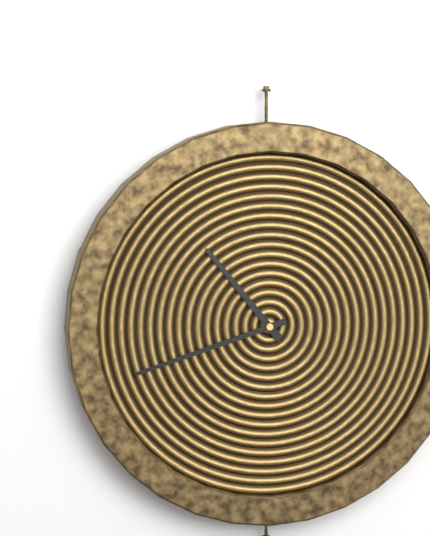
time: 10:42
